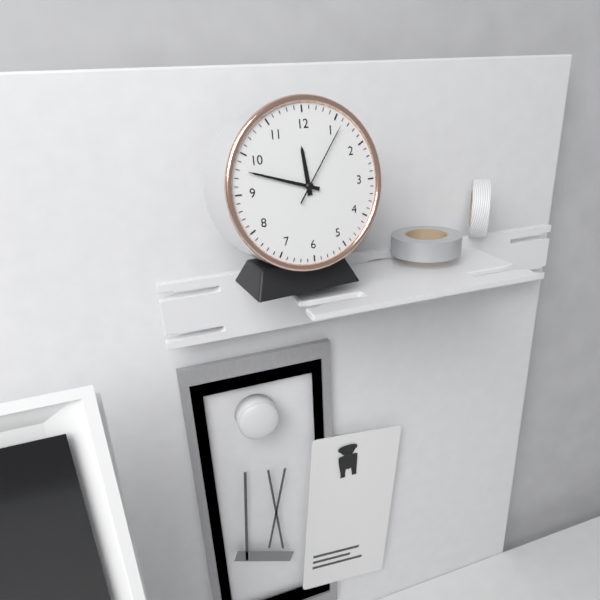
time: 11:48:06
